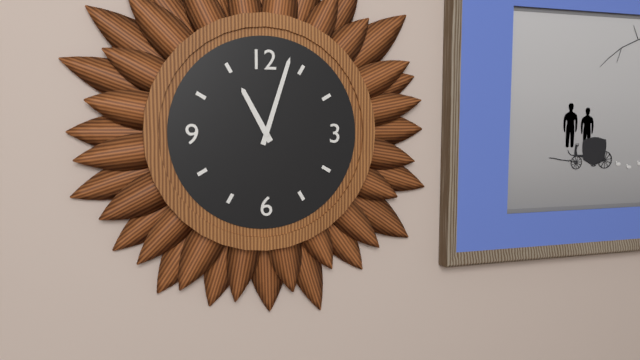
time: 11:03
